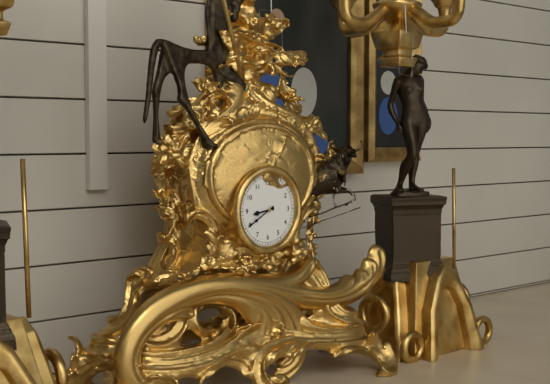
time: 8:40
